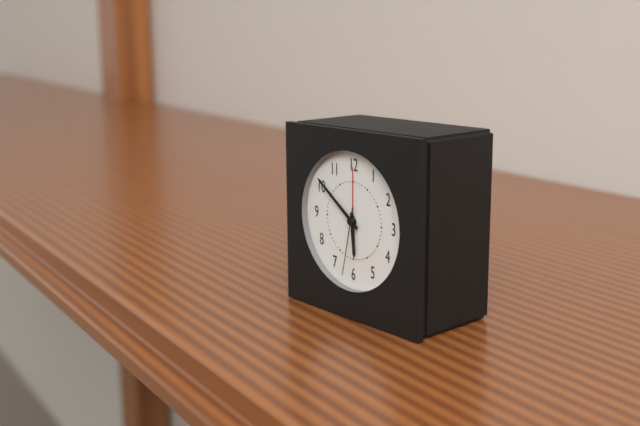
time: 5:51:32
